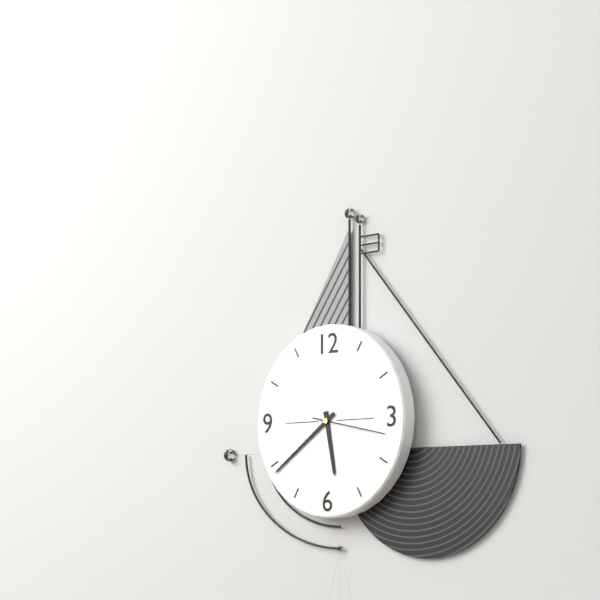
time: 5:39:17
